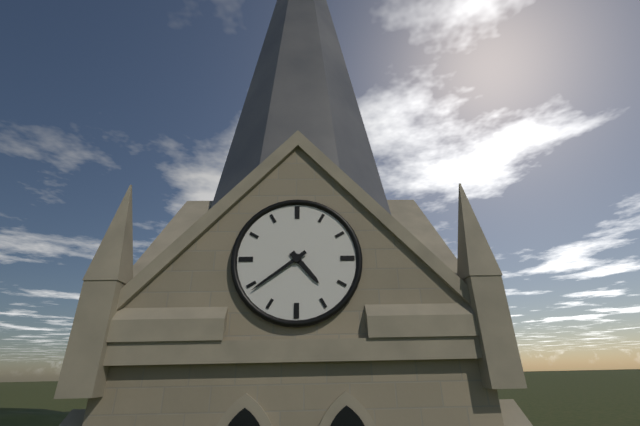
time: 4:39
